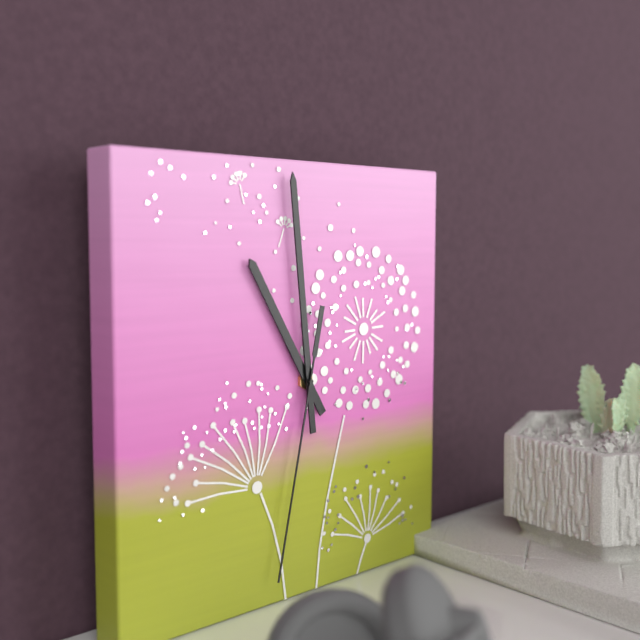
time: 10:59:32
